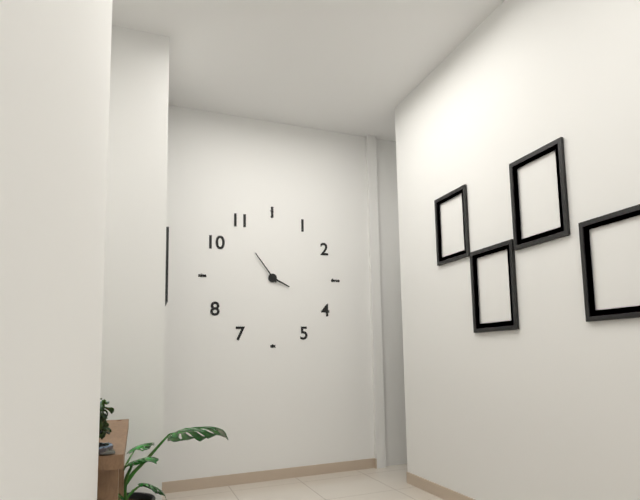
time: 3:54
